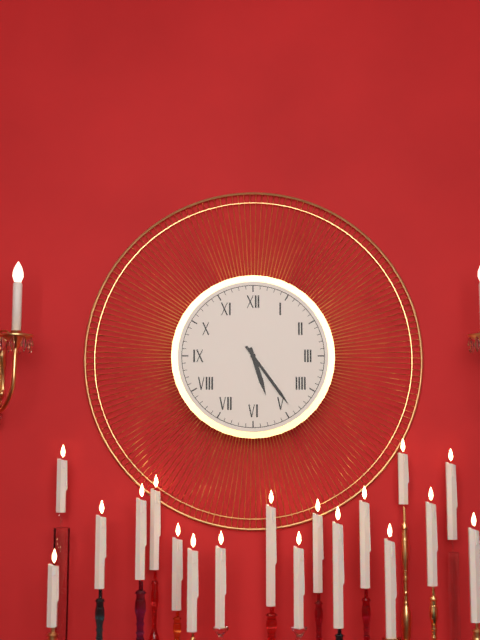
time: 5:24
